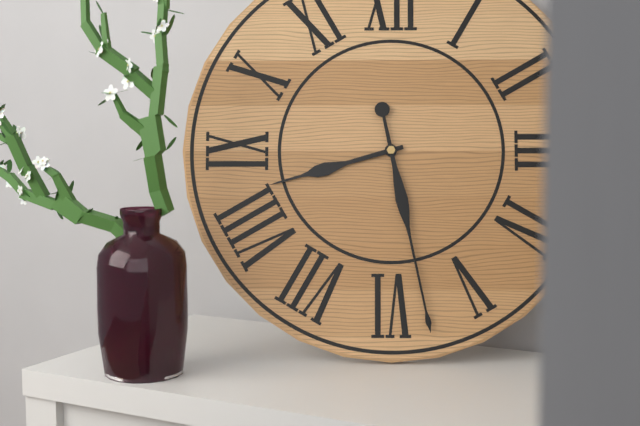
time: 8:28
